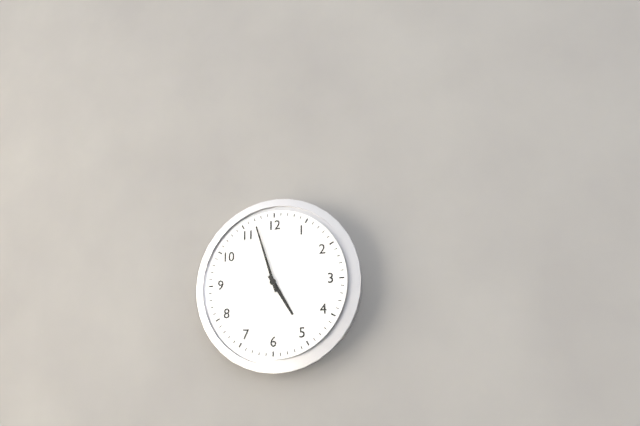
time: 4:57
